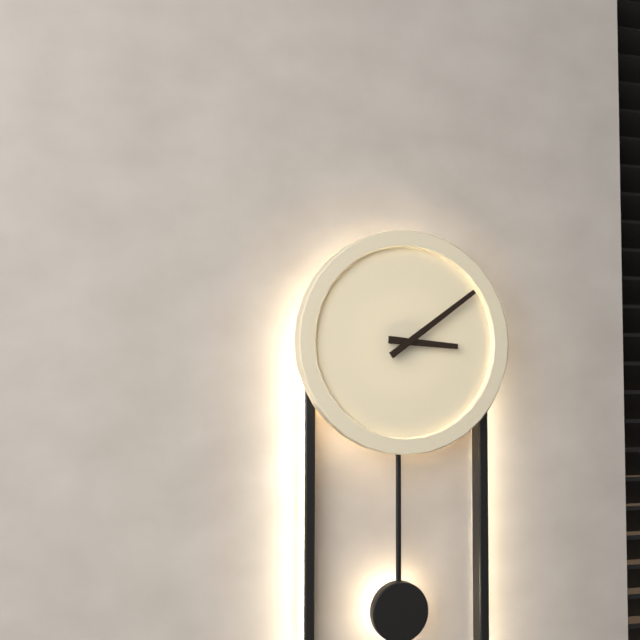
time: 3:09
